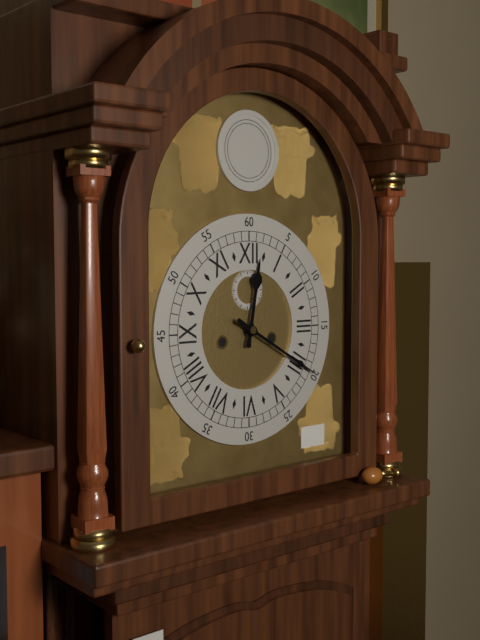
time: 12:20
